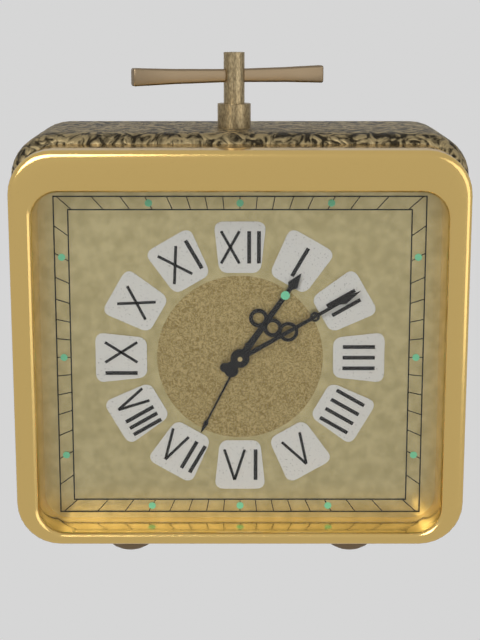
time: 1:10
